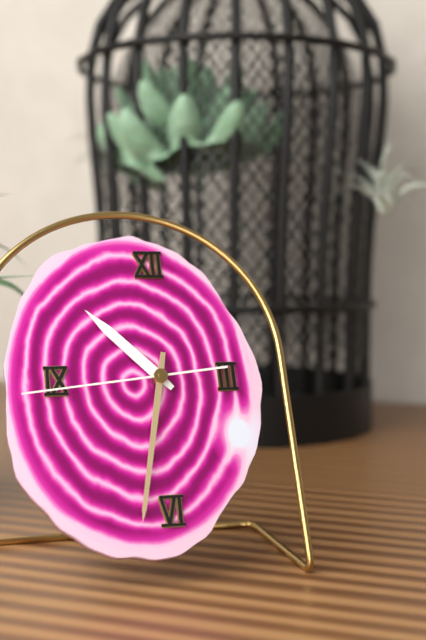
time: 10:32:44
